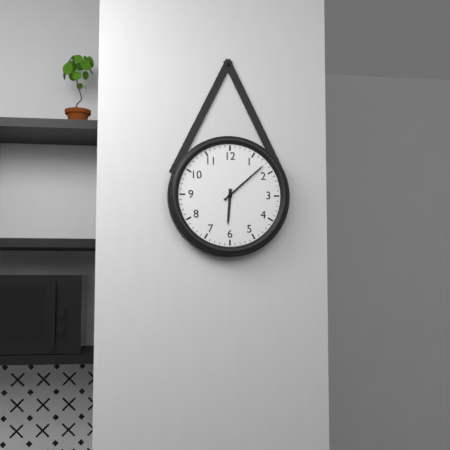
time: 6:08
